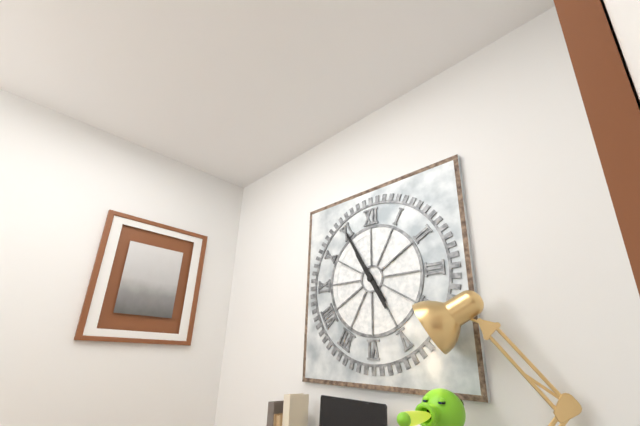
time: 10:55
